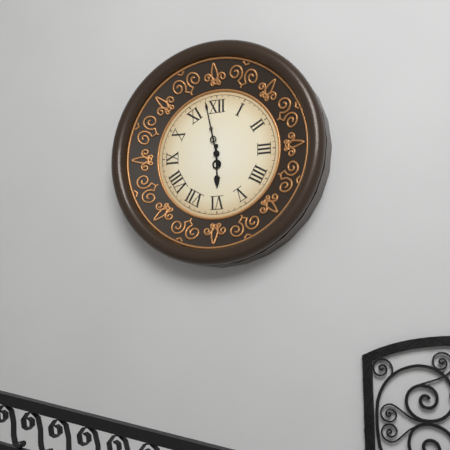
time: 5:58
